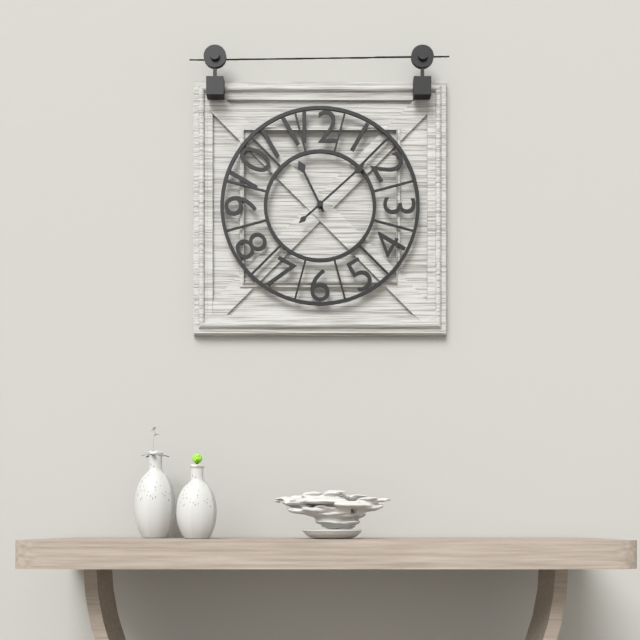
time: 11:08
